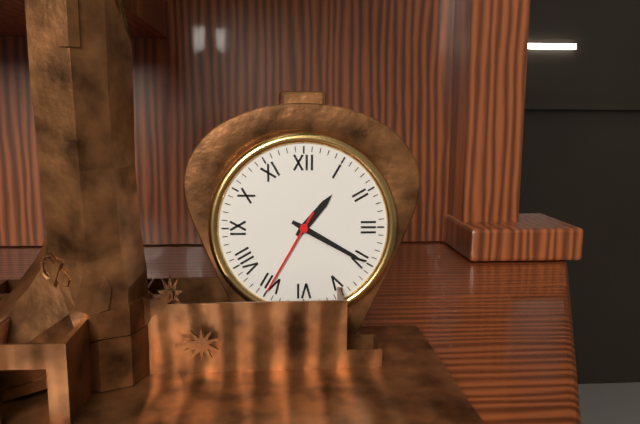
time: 1:20:35
